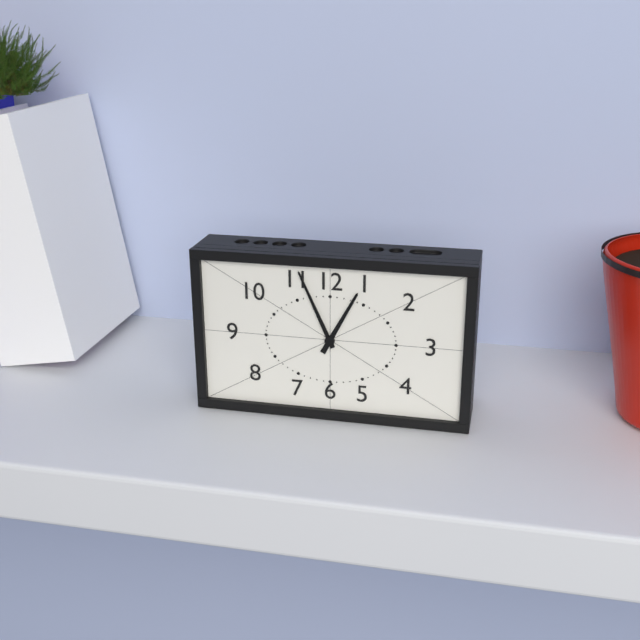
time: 12:56
